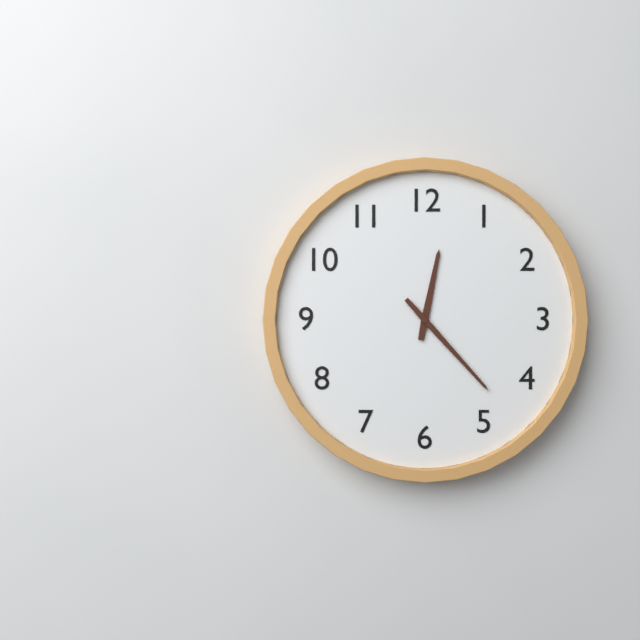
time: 12:23
